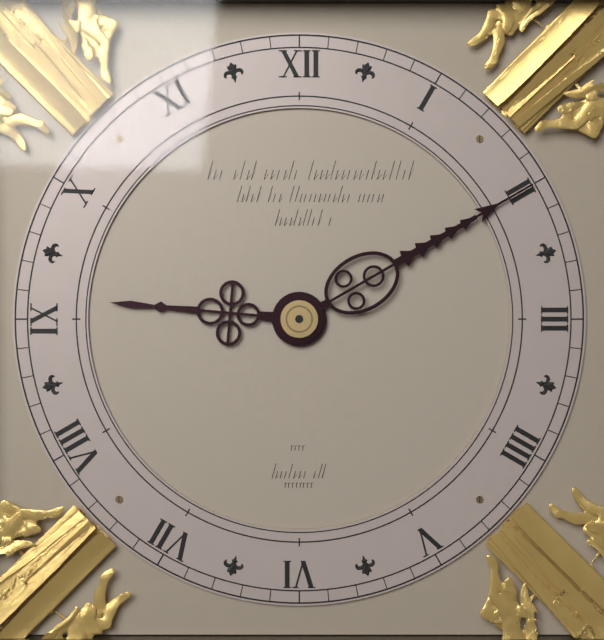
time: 9:10
